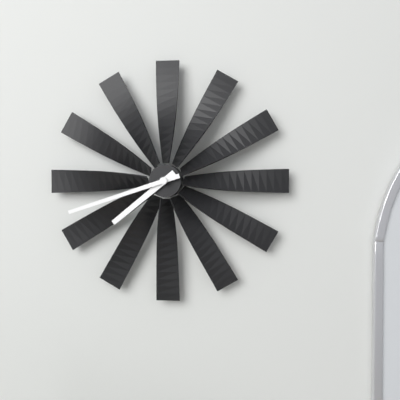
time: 7:42
